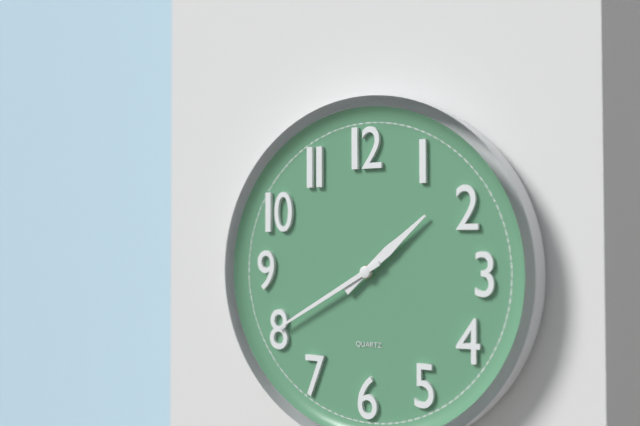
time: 1:40
